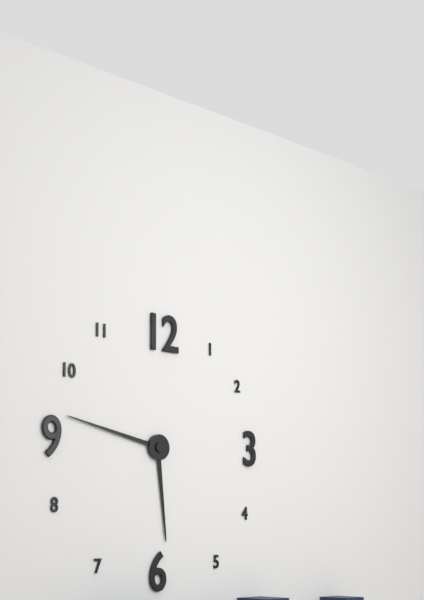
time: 5:47
